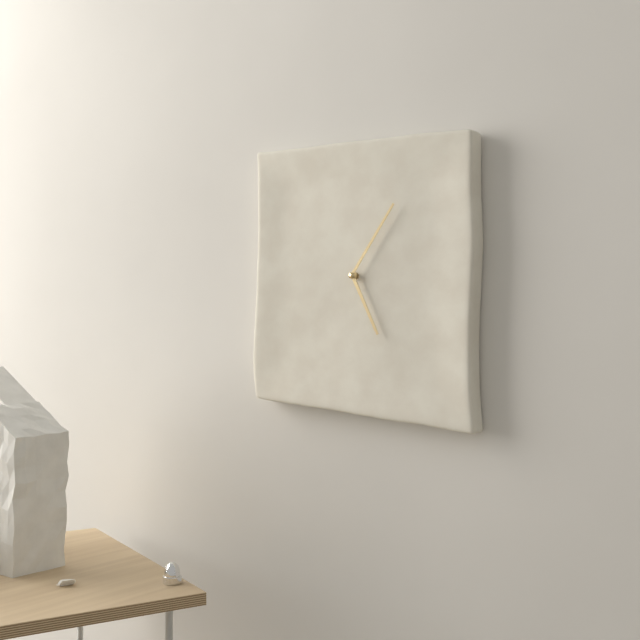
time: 5:06
